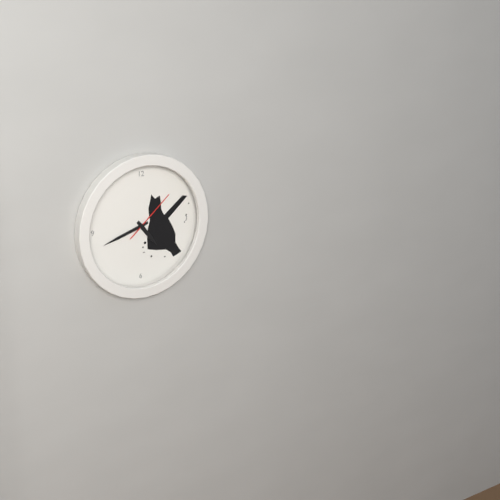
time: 4:42:08
